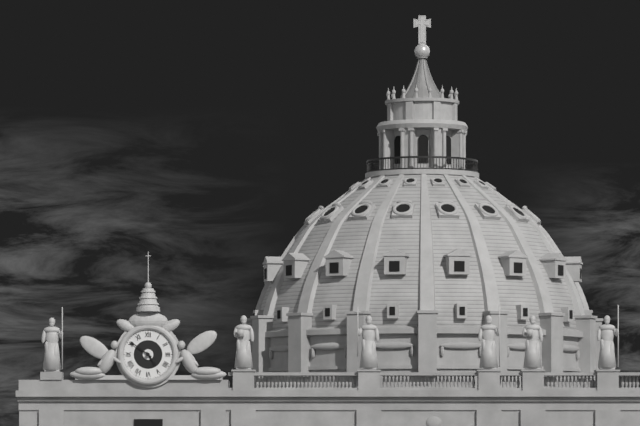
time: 4:51
